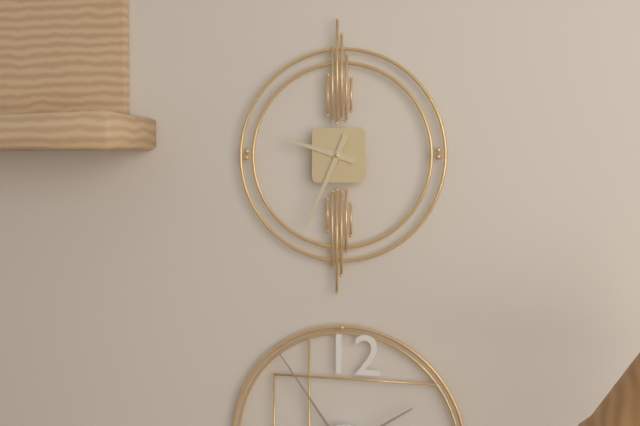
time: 9:34
